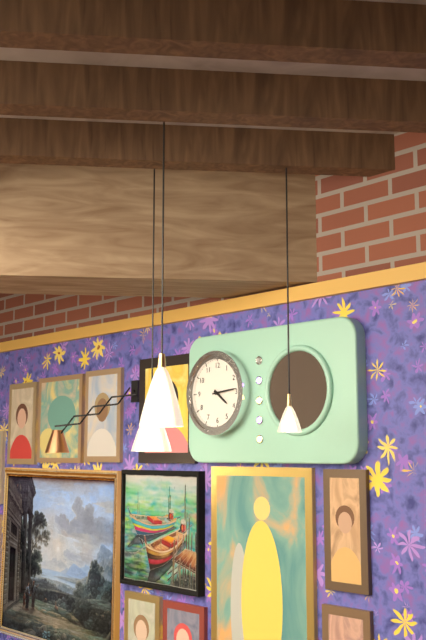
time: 4:14
